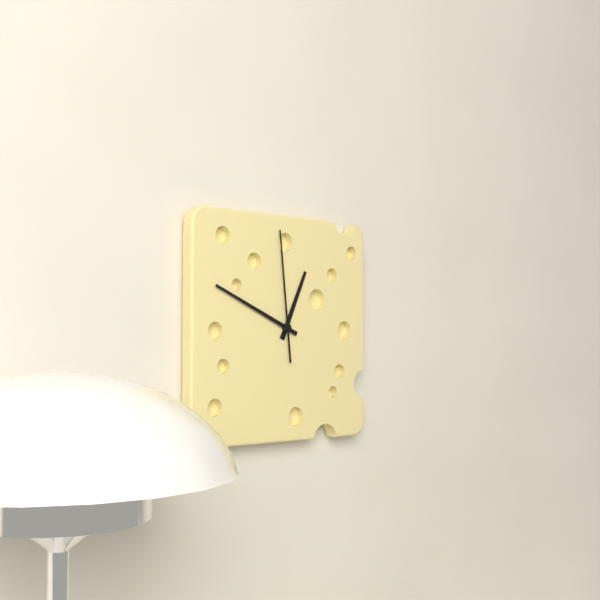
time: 12:49:59
